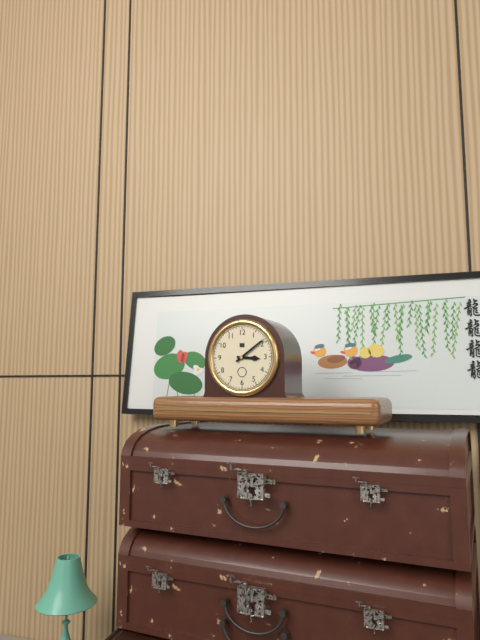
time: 3:09
